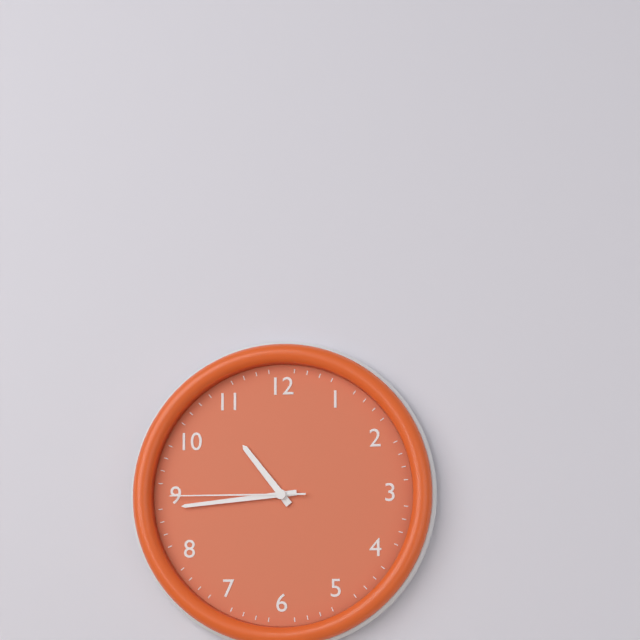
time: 10:44:45
